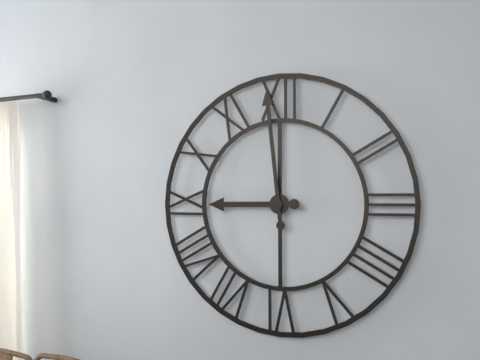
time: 8:59
